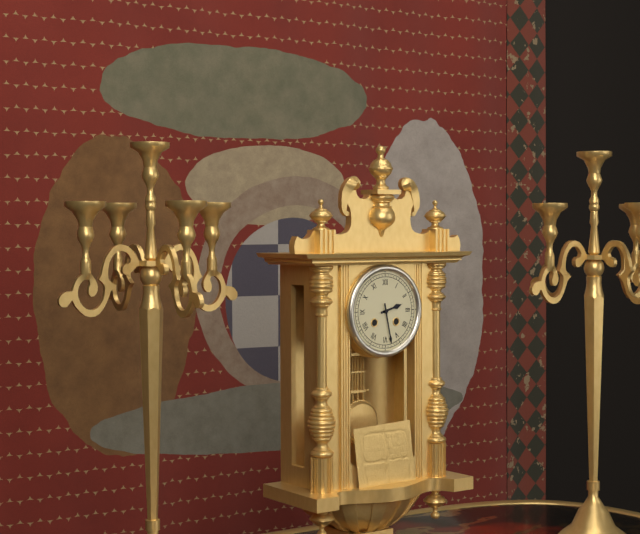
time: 2:28
